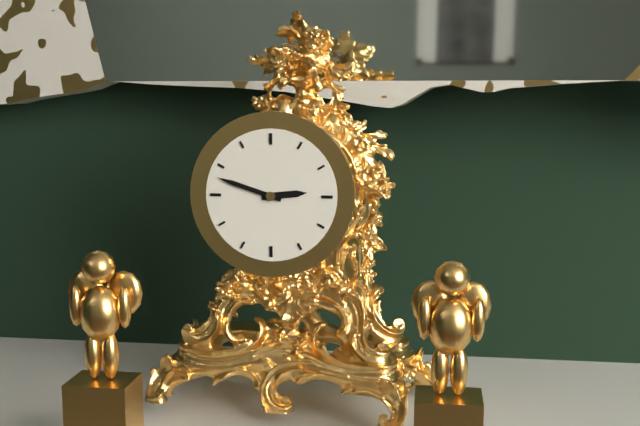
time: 2:48
